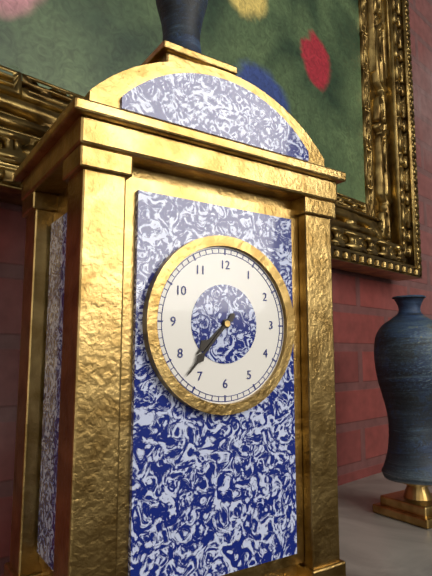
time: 7:37
